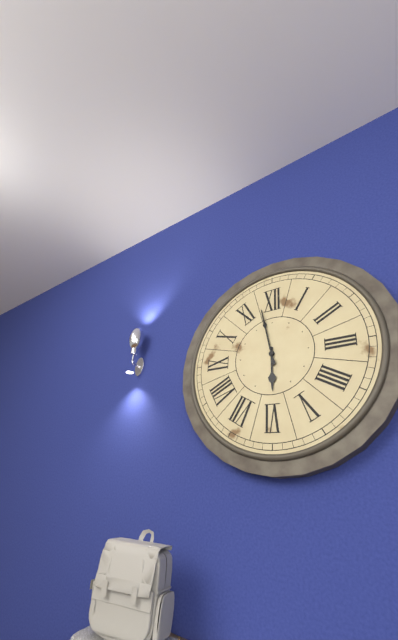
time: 5:58
